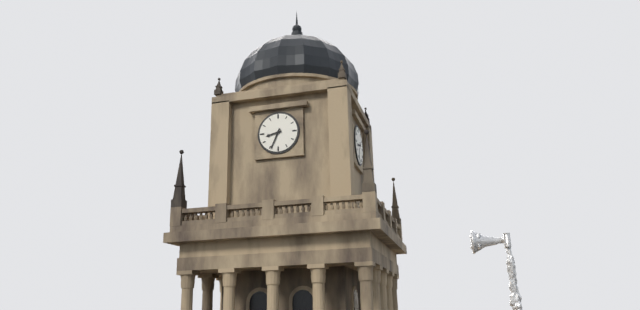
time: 8:34
